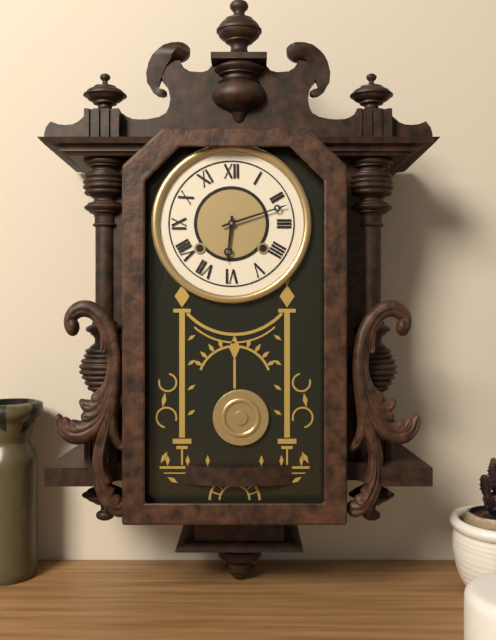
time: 6:12
